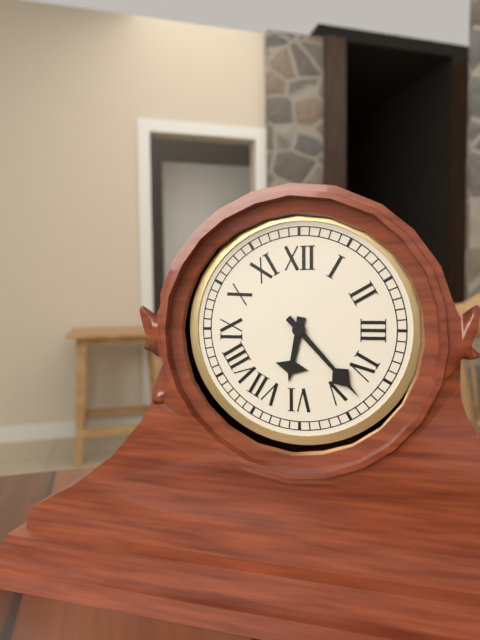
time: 6:23
